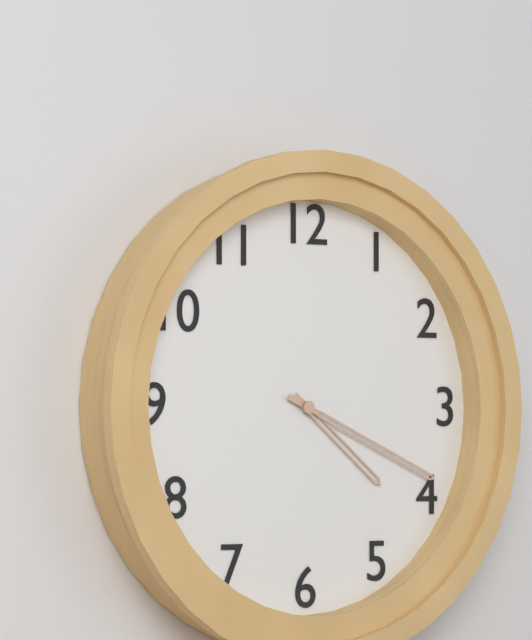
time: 4:19
